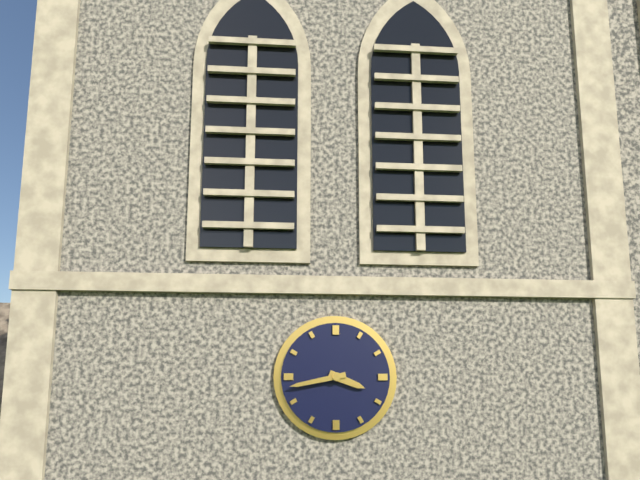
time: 3:43
